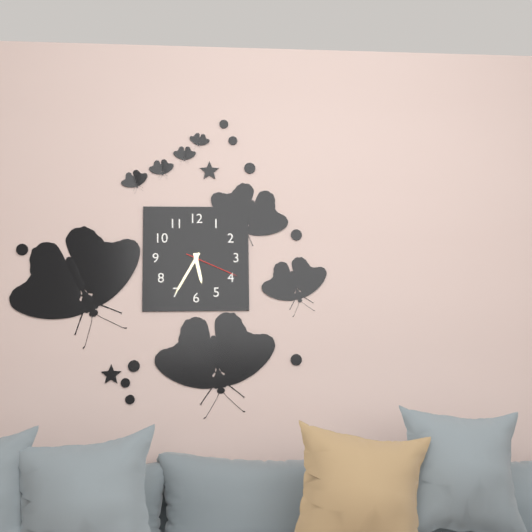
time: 5:35:19
